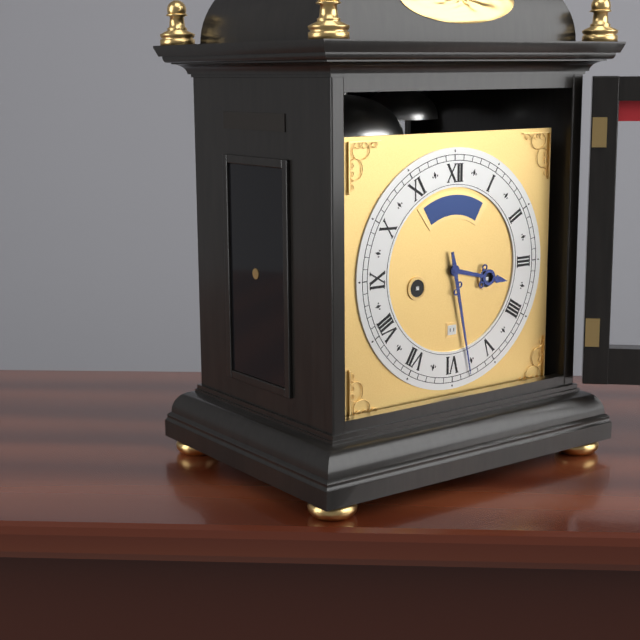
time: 3:28
